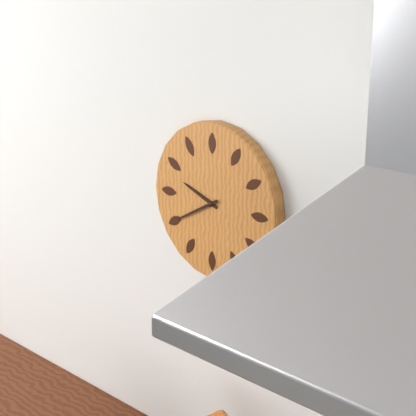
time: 9:40
